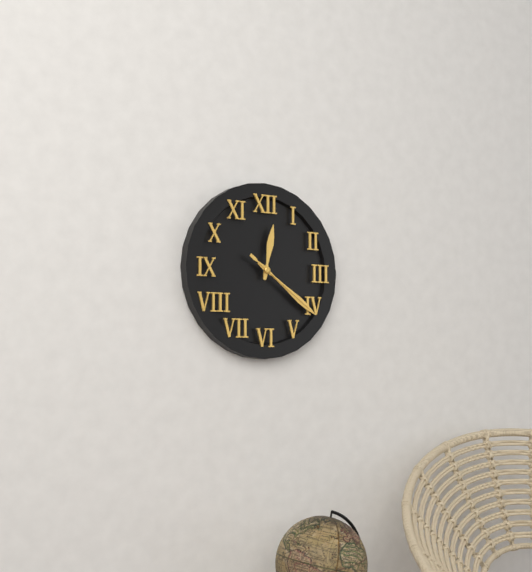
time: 12:21:21
